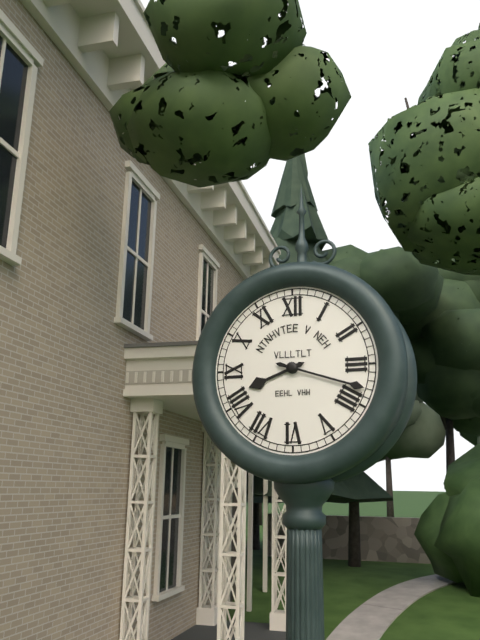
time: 8:18
